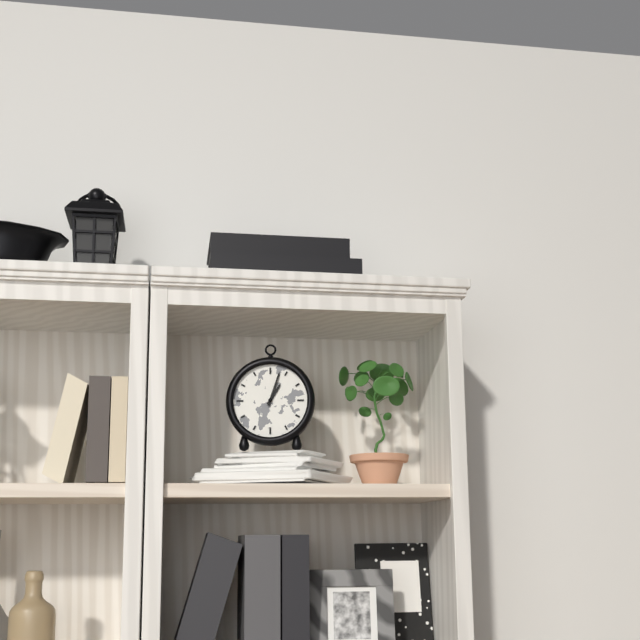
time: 1:03
